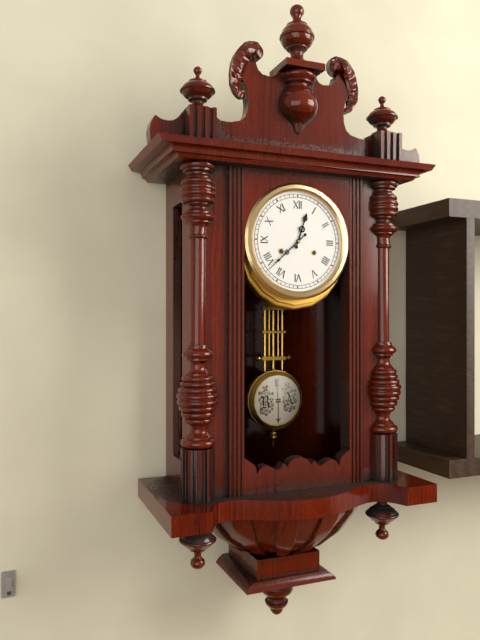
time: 12:38
